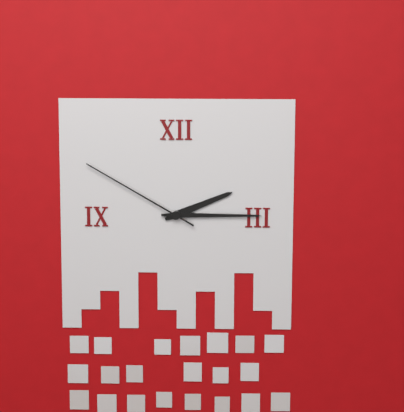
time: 2:15:50
